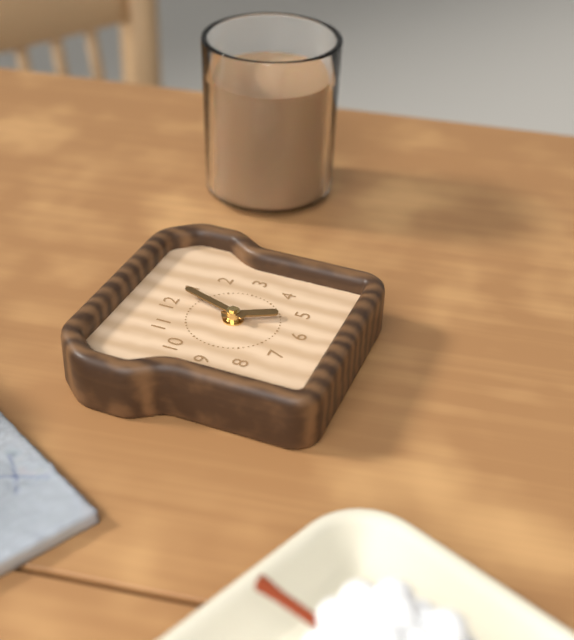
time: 5:03
